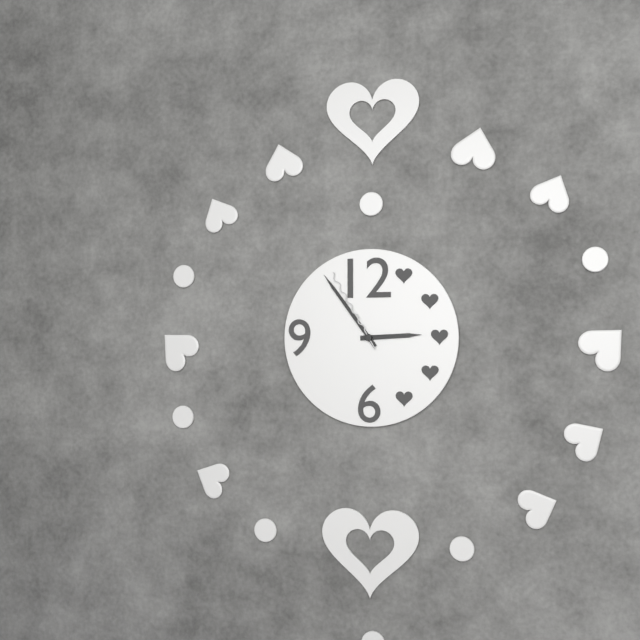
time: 2:54:55
